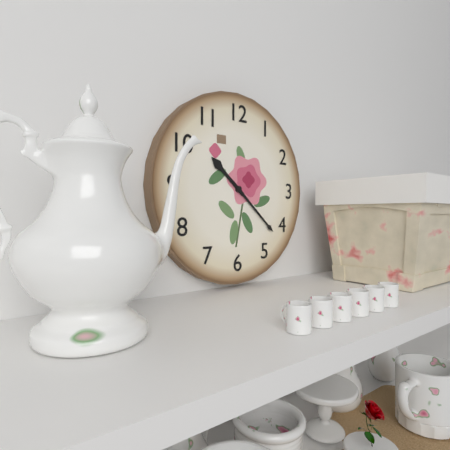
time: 10:22
